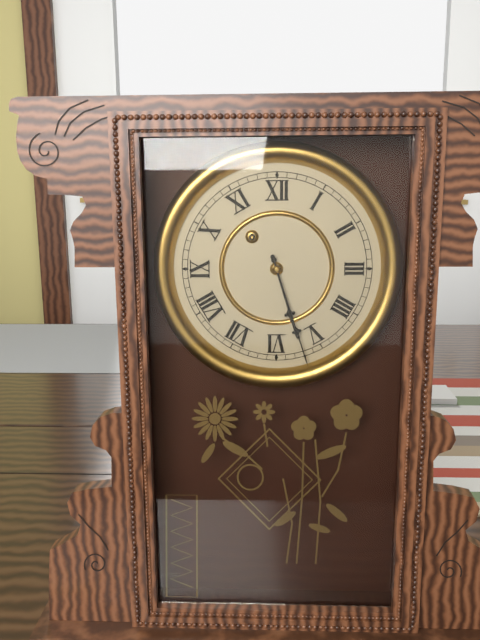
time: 5:27
